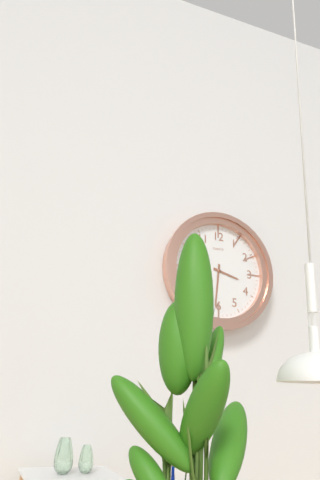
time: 3:31
